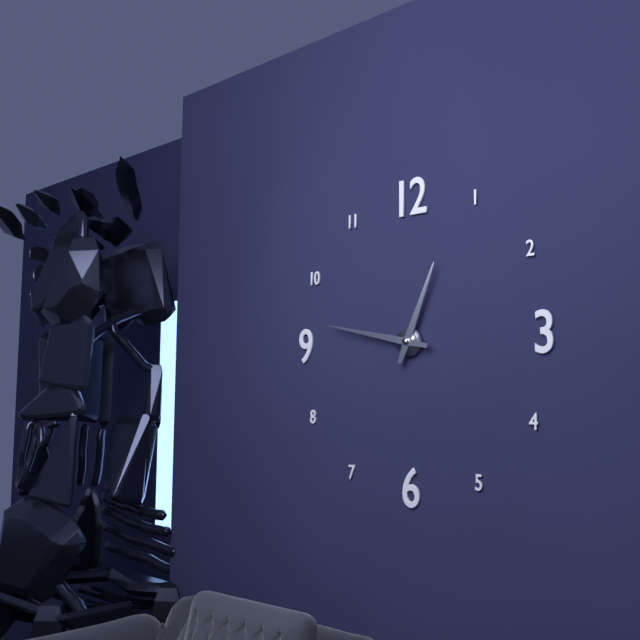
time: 12:47
